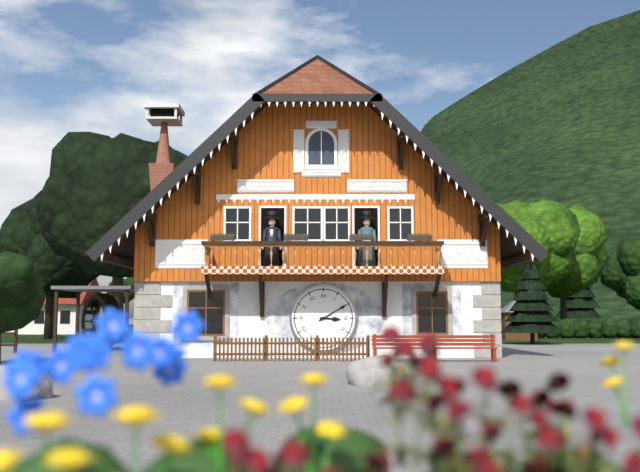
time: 3:10
